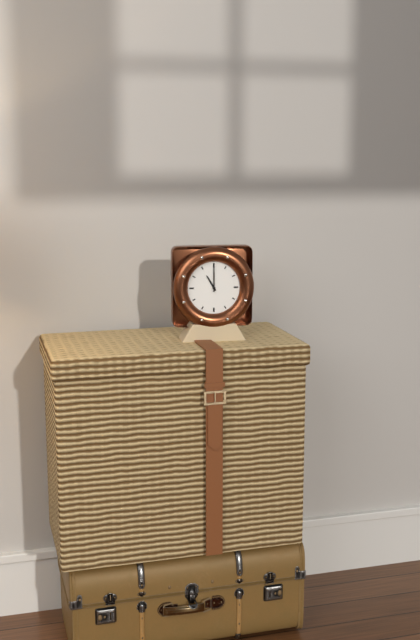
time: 11:00
